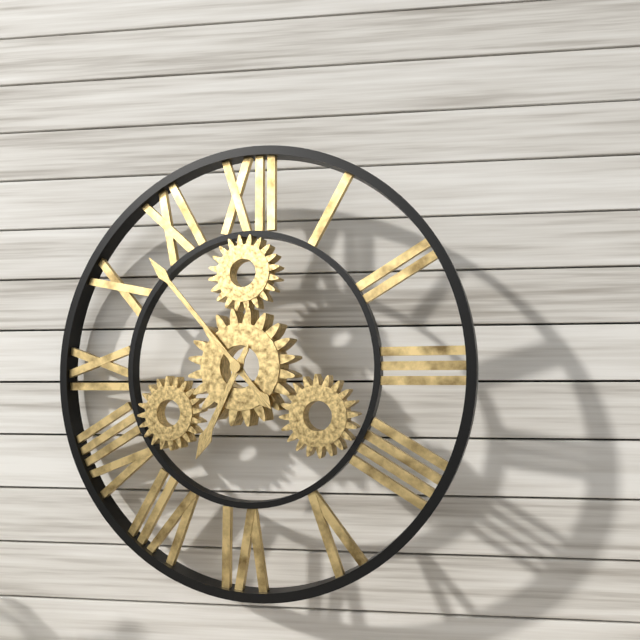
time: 6:53
